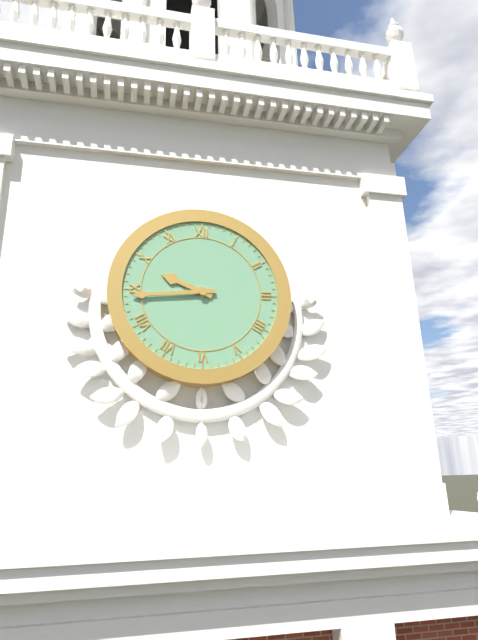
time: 9:44
